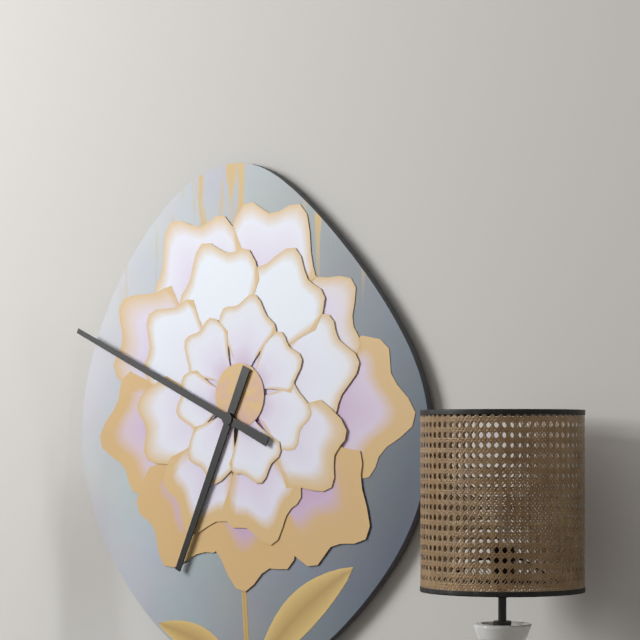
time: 6:49
